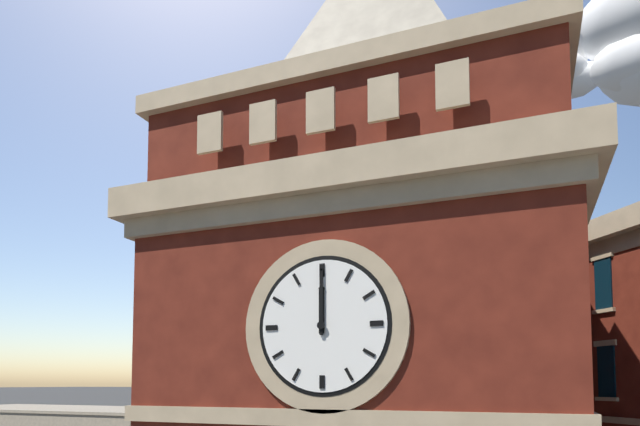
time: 12:00
